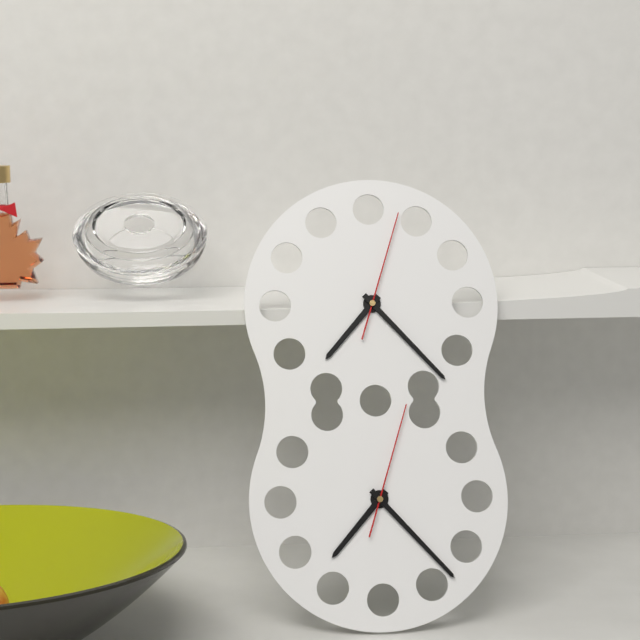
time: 7:23:03
